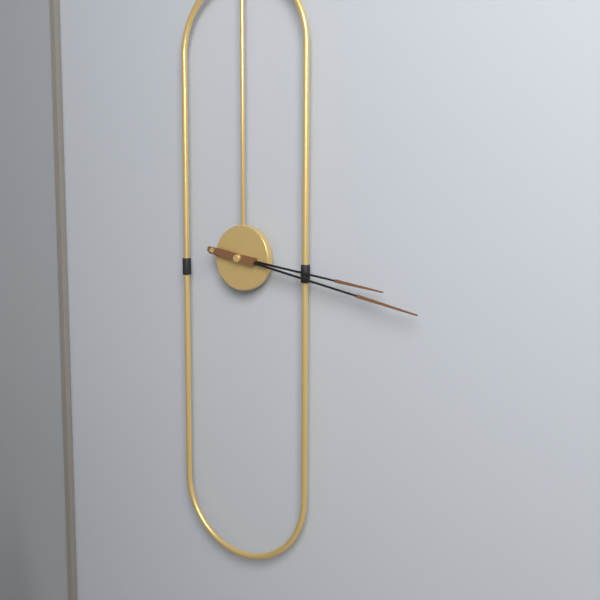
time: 3:17
